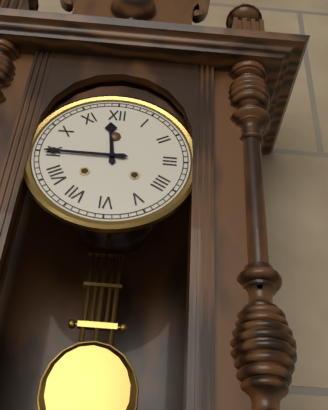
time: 11:45
